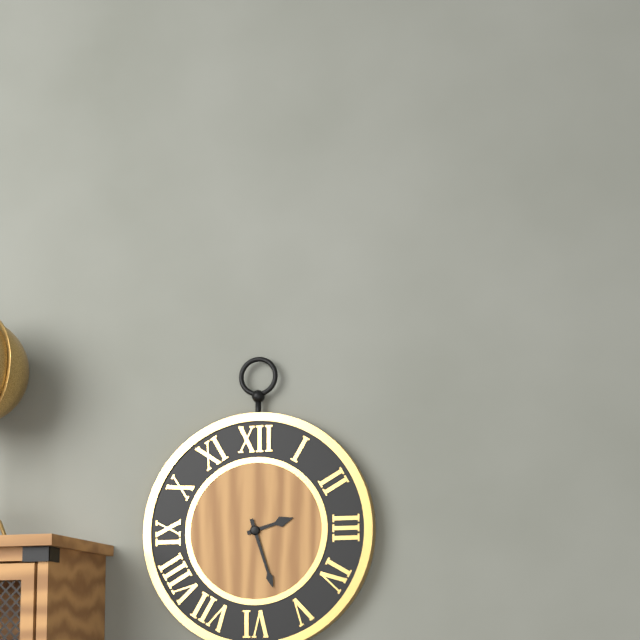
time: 2:27
